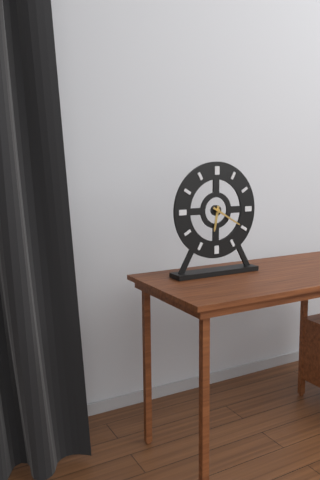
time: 6:20
